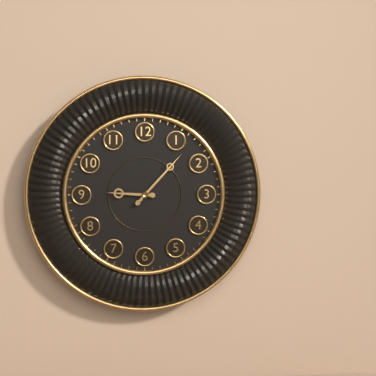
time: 9:07
